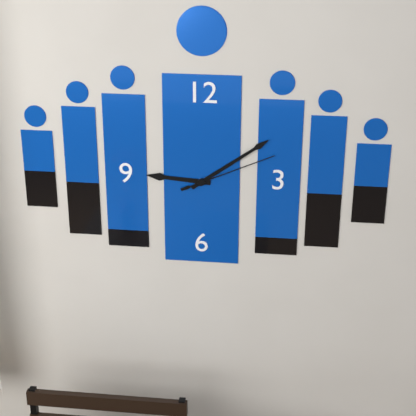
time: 9:09:11
